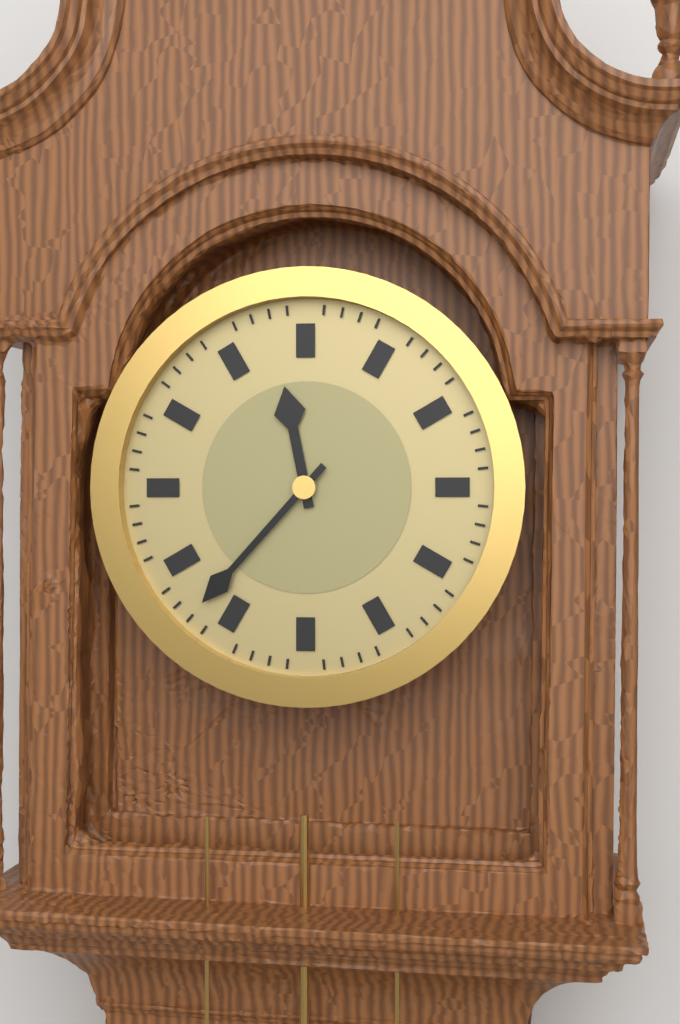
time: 11:37
